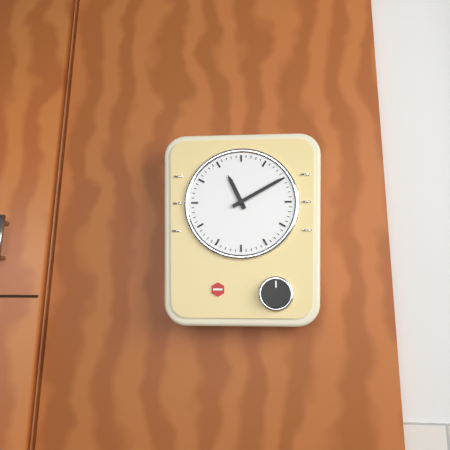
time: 11:10
